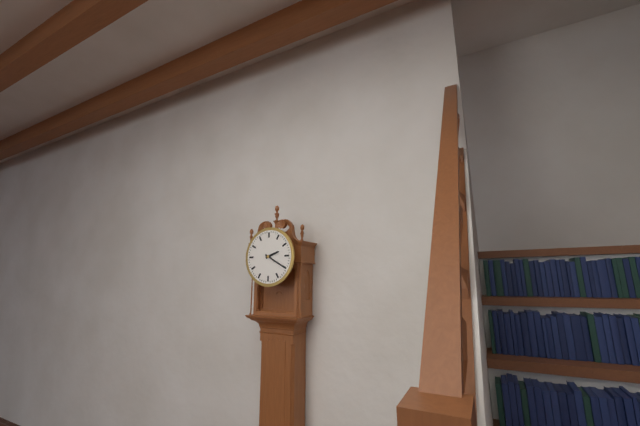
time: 2:20
